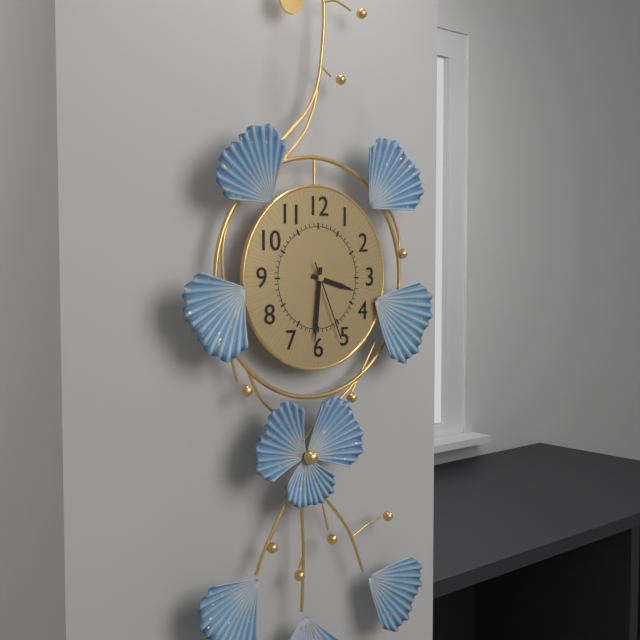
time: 3:31:26
